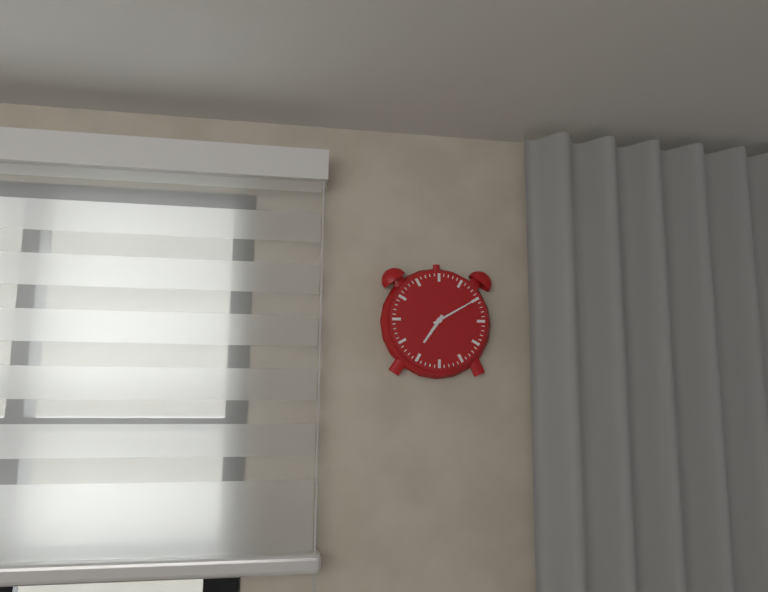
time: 7:10
